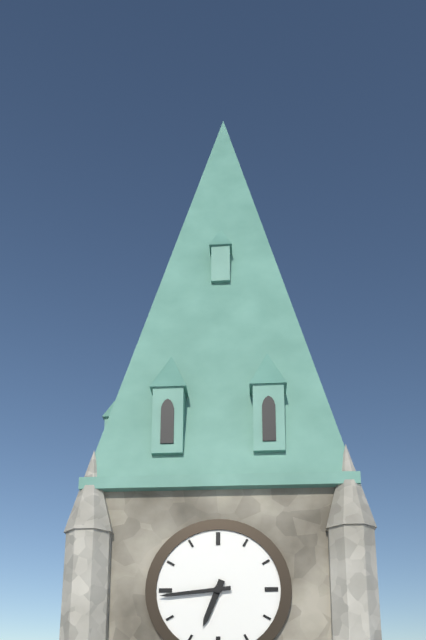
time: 6:44
